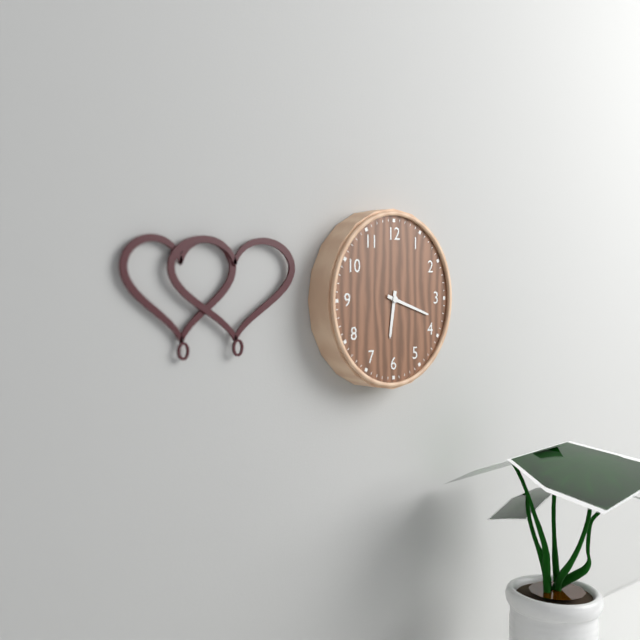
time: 6:18
